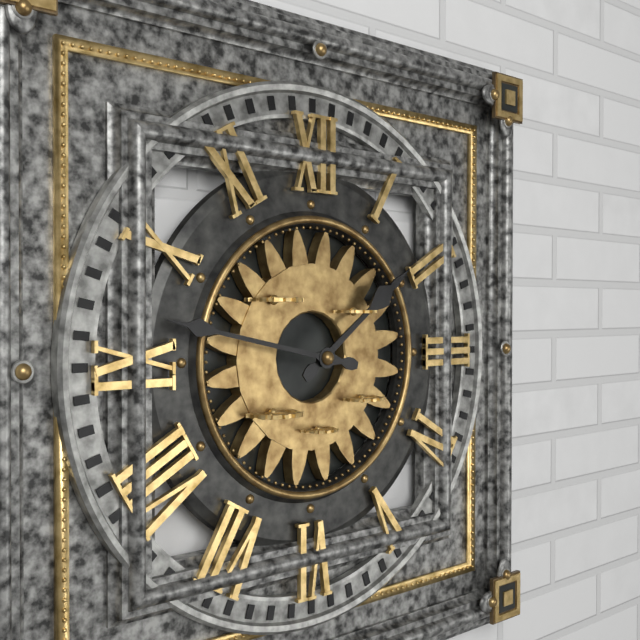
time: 1:47
